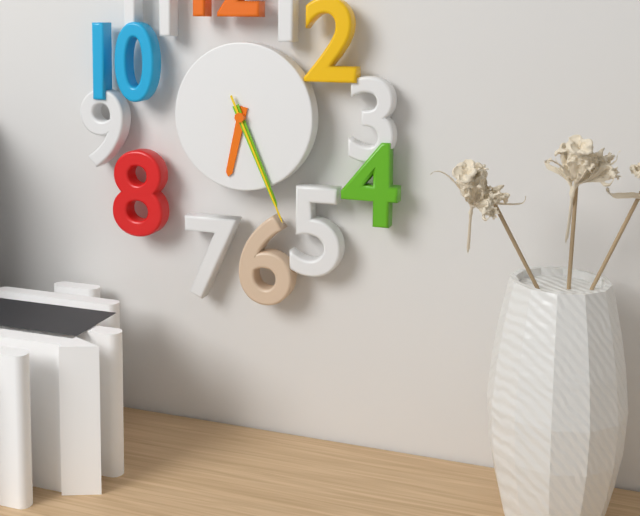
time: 6:26:26
